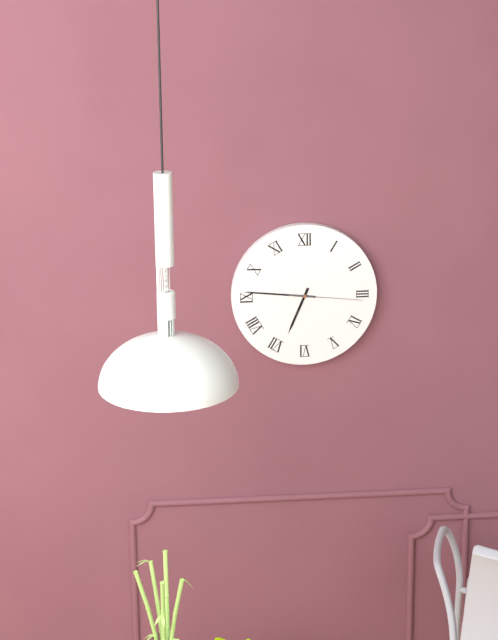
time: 6:46:16
